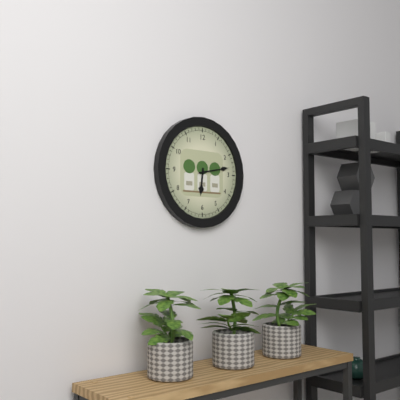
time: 6:13
